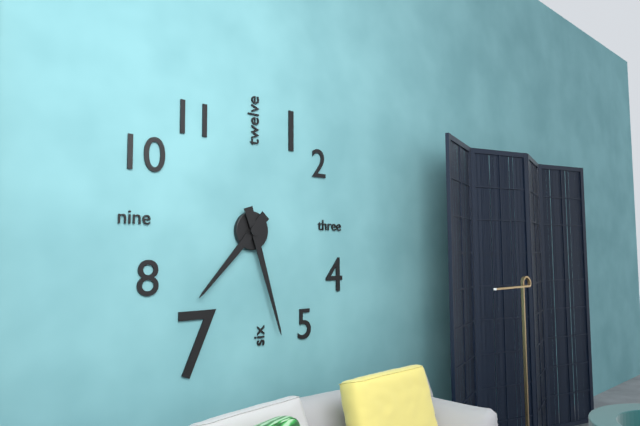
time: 7:27
